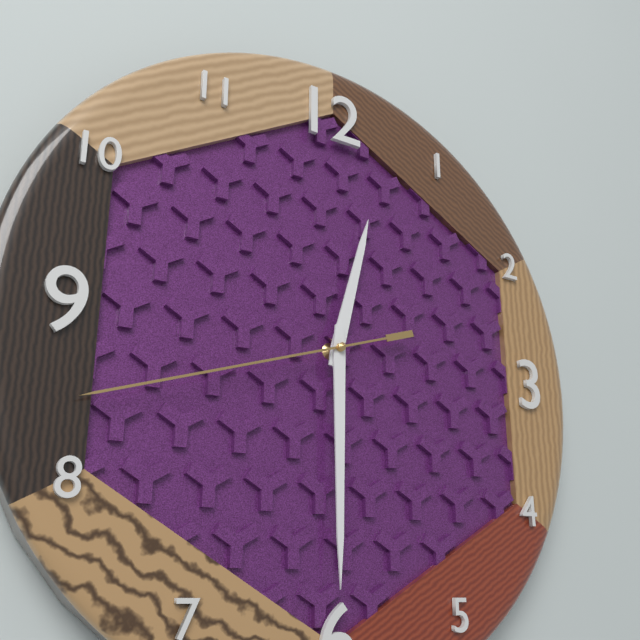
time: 12:30:42
